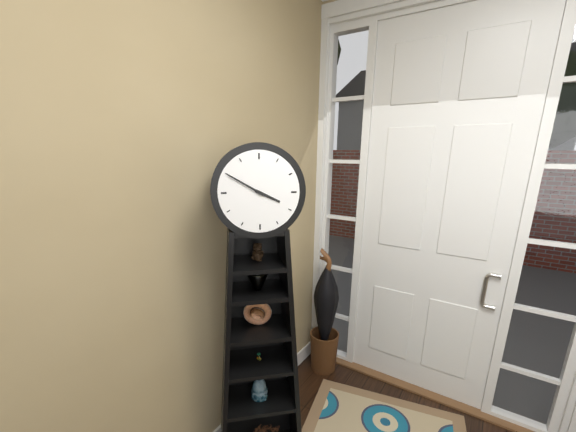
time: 3:50
